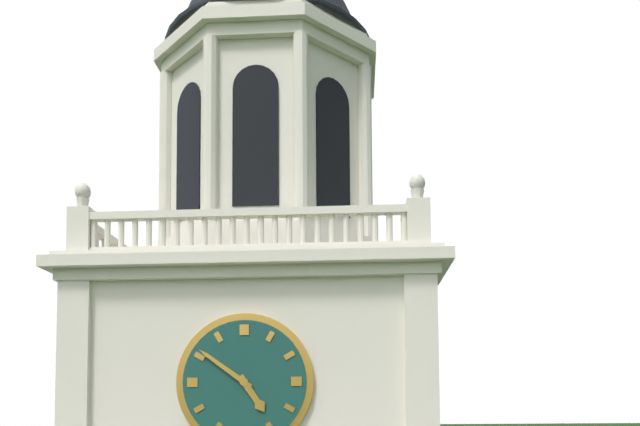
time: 4:51
